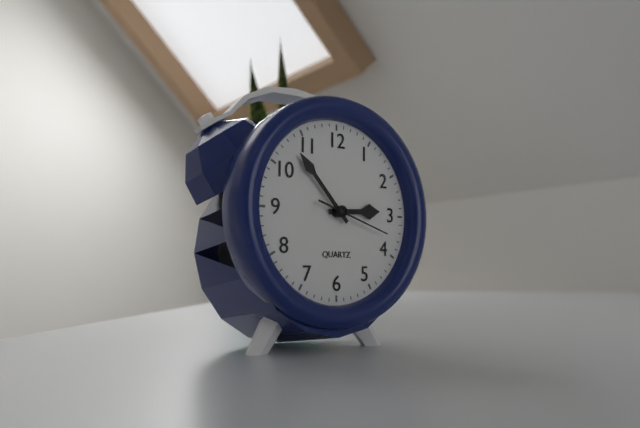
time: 2:53:18
